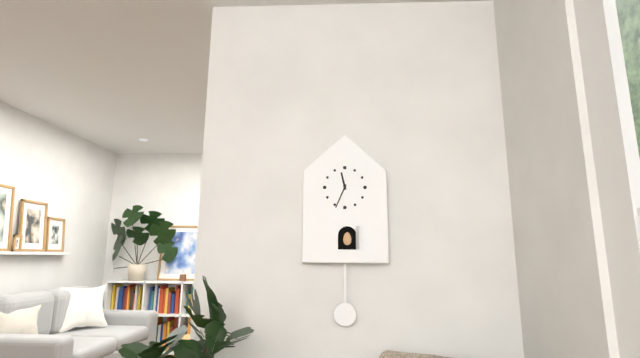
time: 11:34
